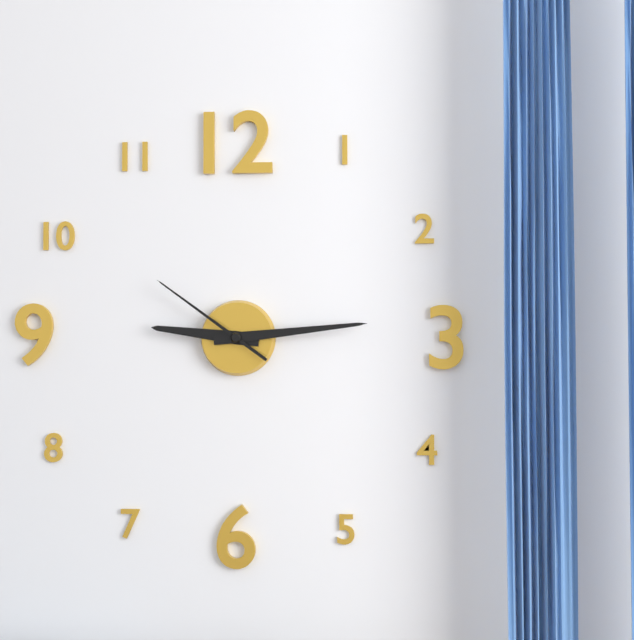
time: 9:14:51
